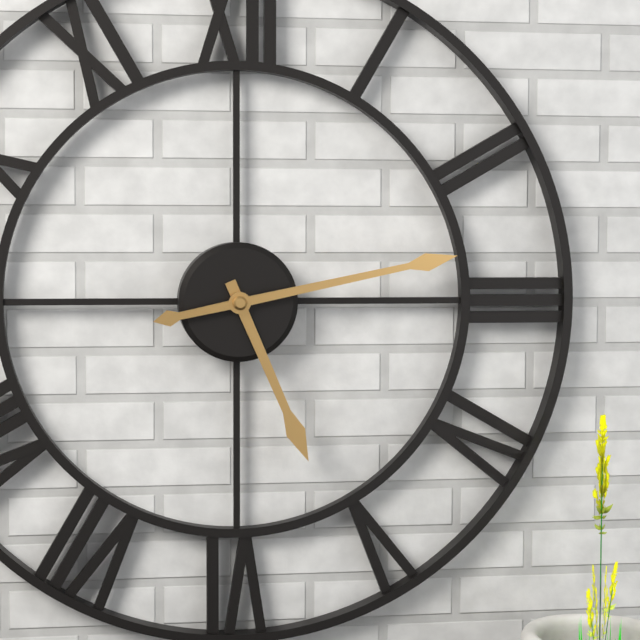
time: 5:13
